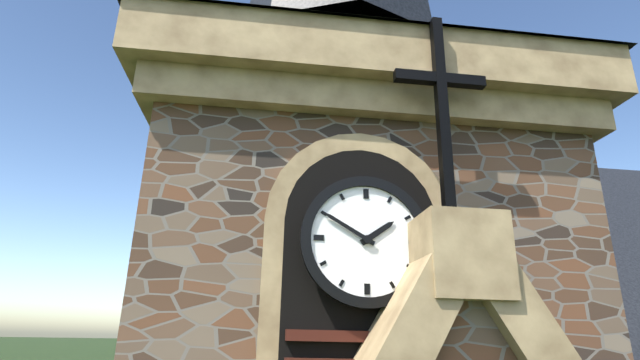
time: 1:50
